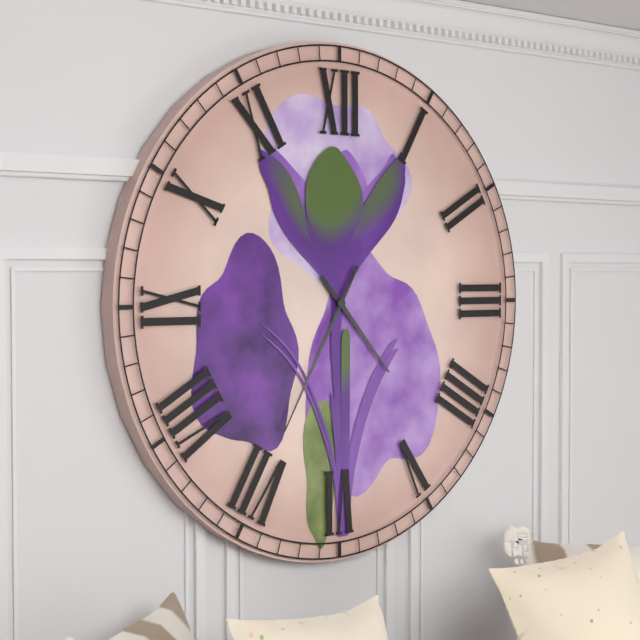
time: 4:35
